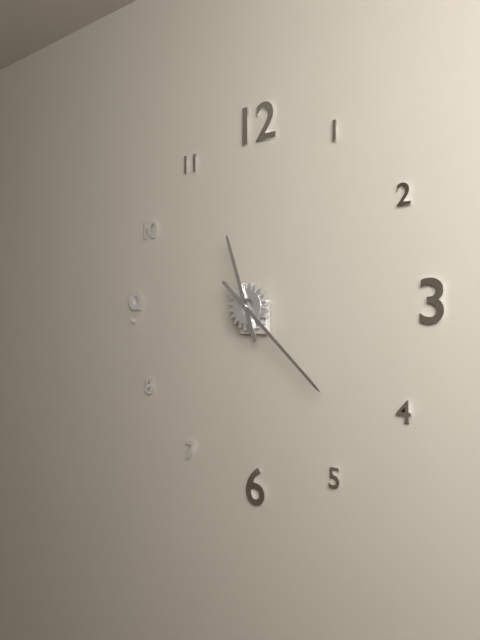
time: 11:22
